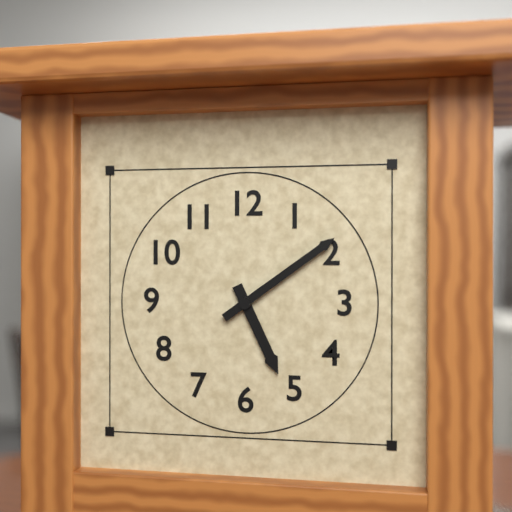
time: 5:09
